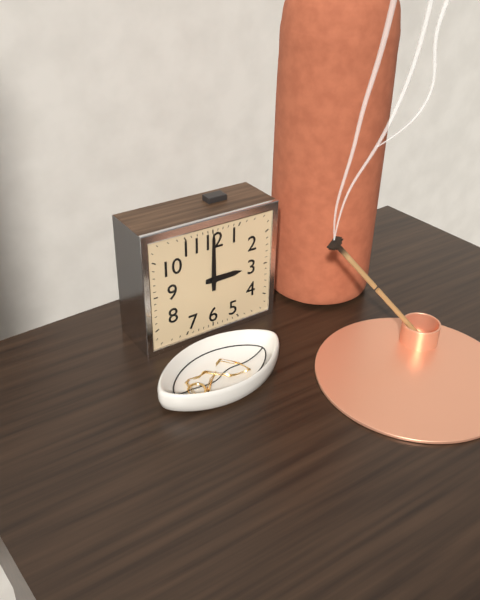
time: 3:00
